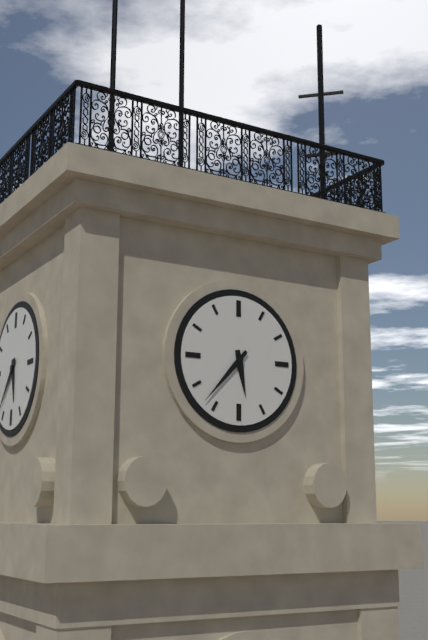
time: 5:37
